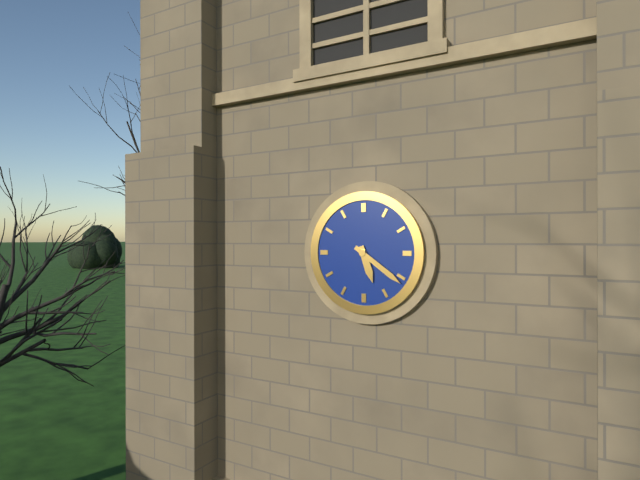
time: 5:21
